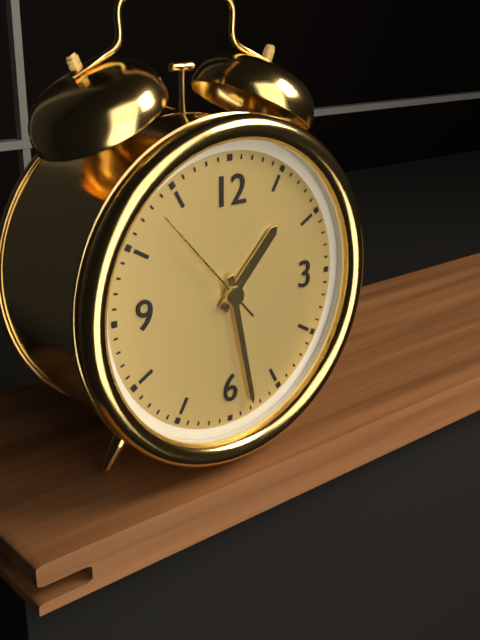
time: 1:28:53
